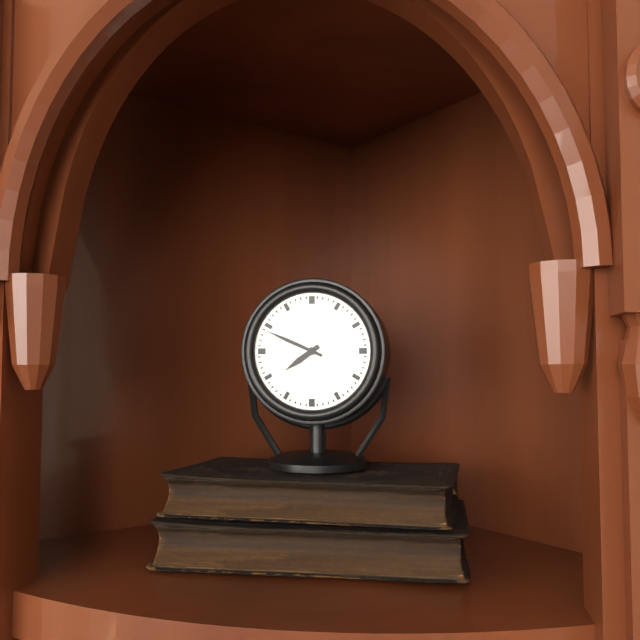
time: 7:49
